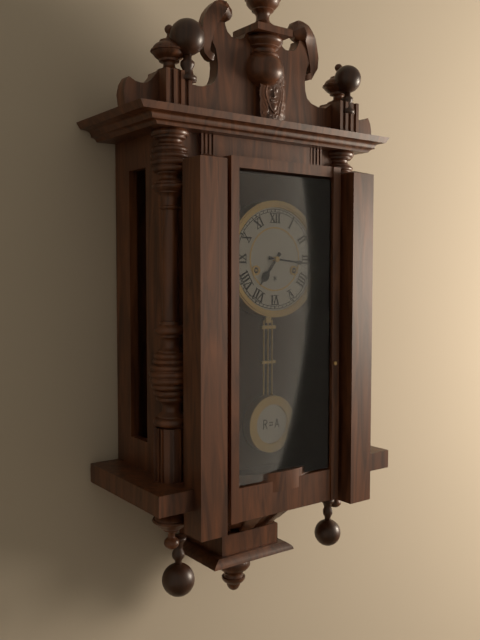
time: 7:16
